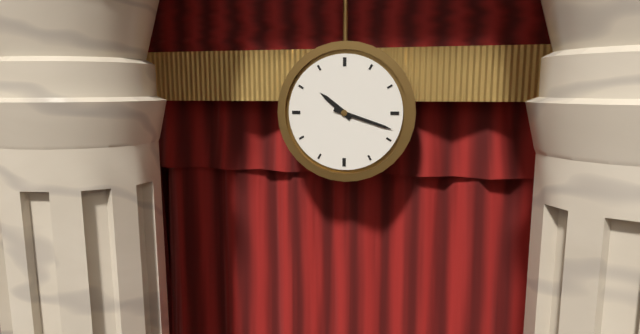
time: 10:18
